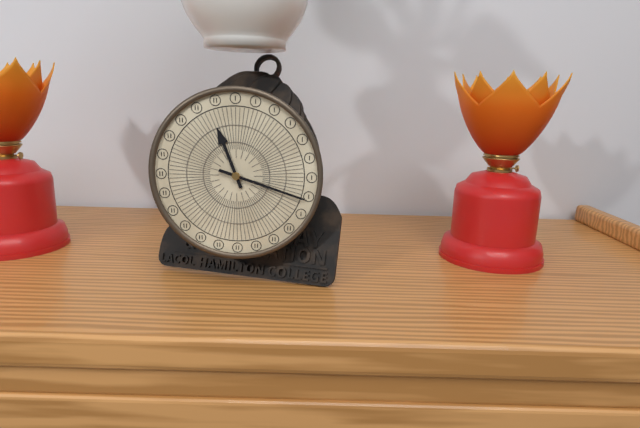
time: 11:18
